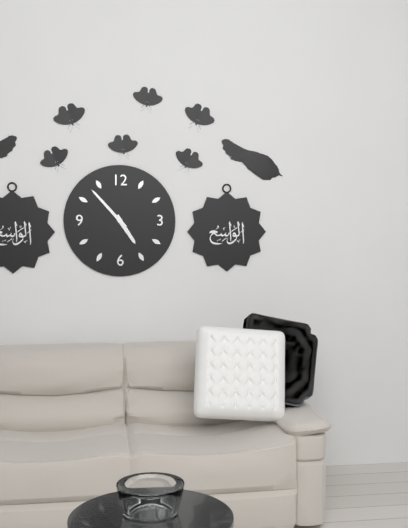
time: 4:53
